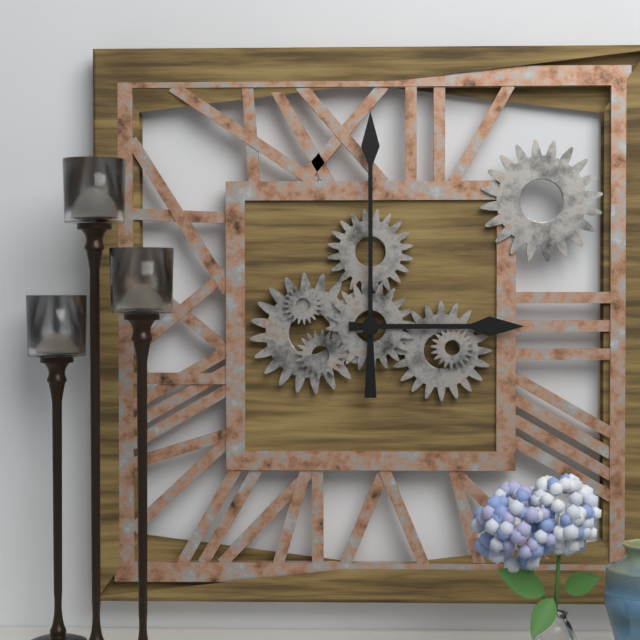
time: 3:00
